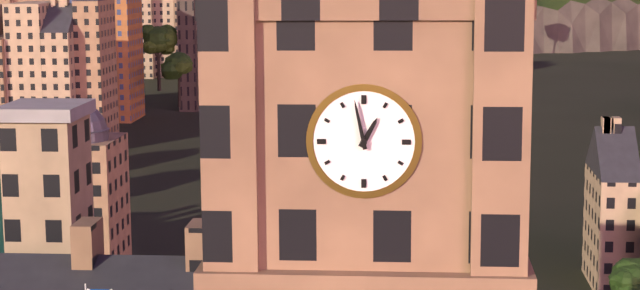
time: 12:58
